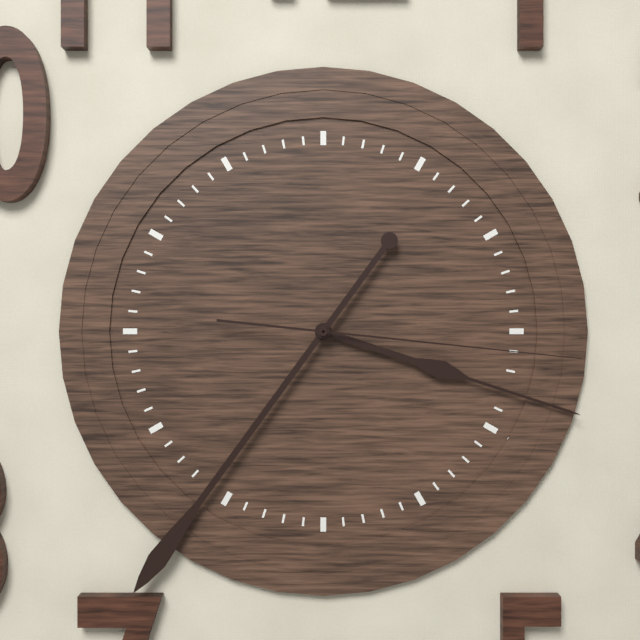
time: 3:36:16
